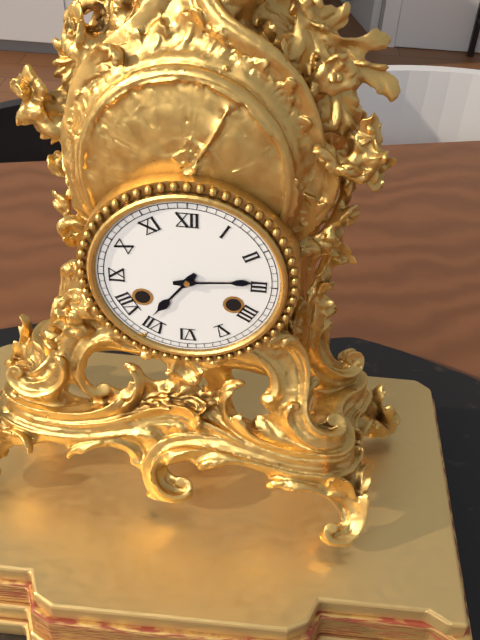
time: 7:14
